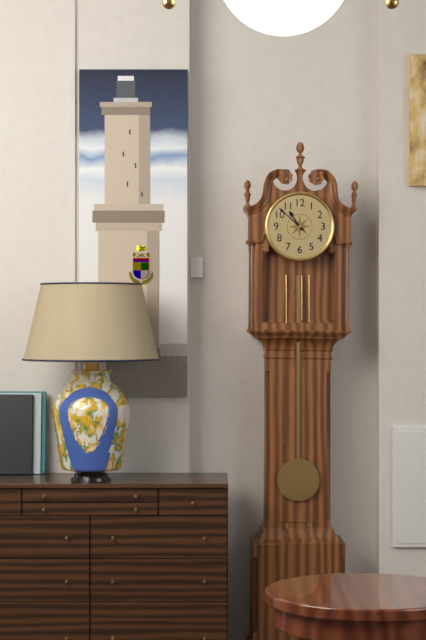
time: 10:52
